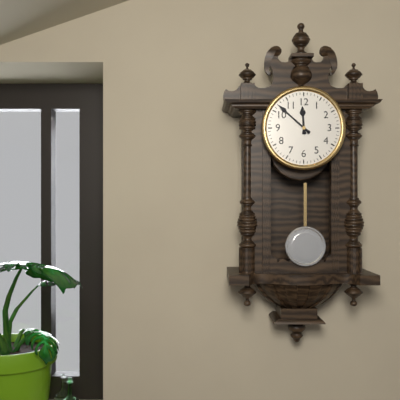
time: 11:52
